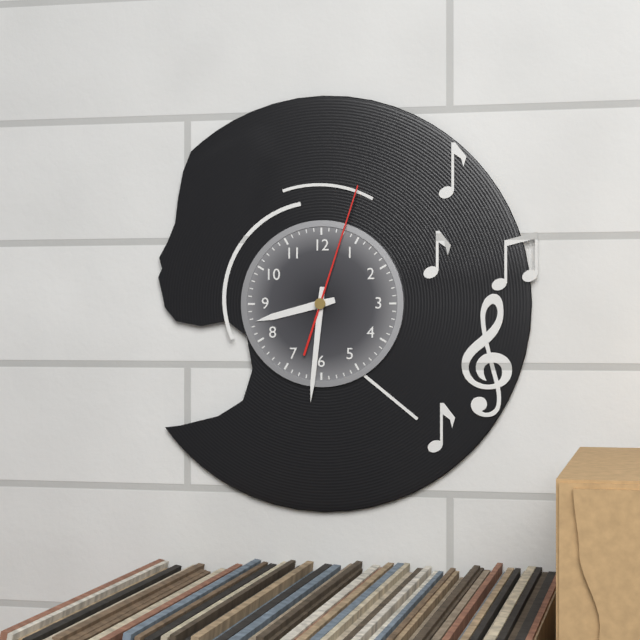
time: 8:31:03
